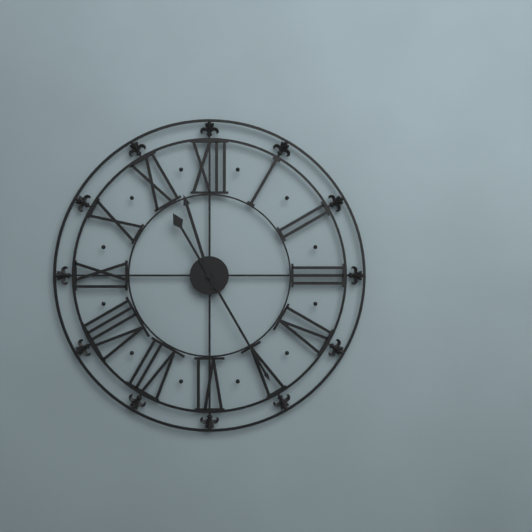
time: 11:25
